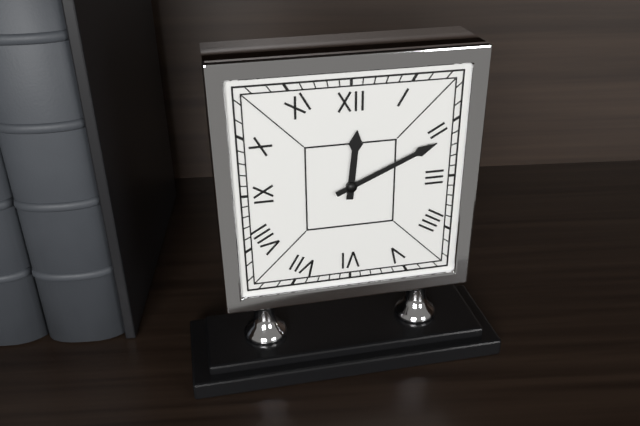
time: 12:11
